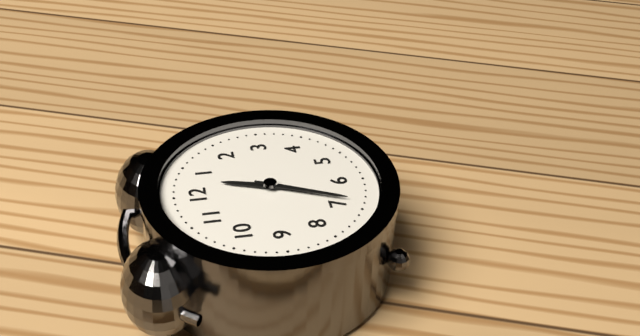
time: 12:34
